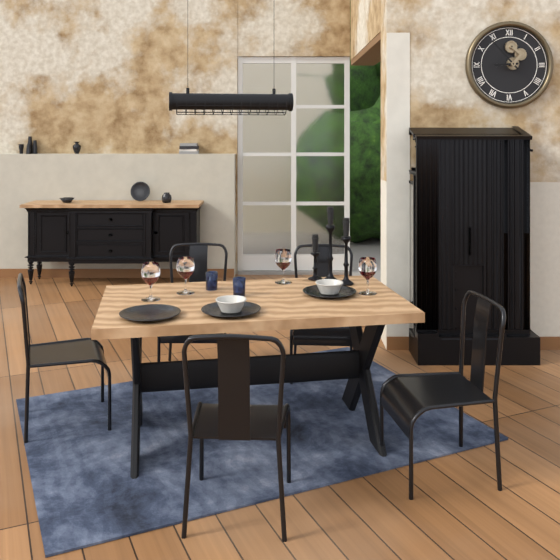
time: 8:53
